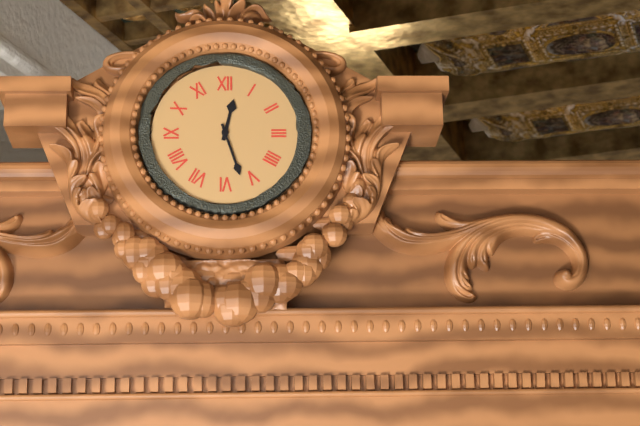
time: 12:27
